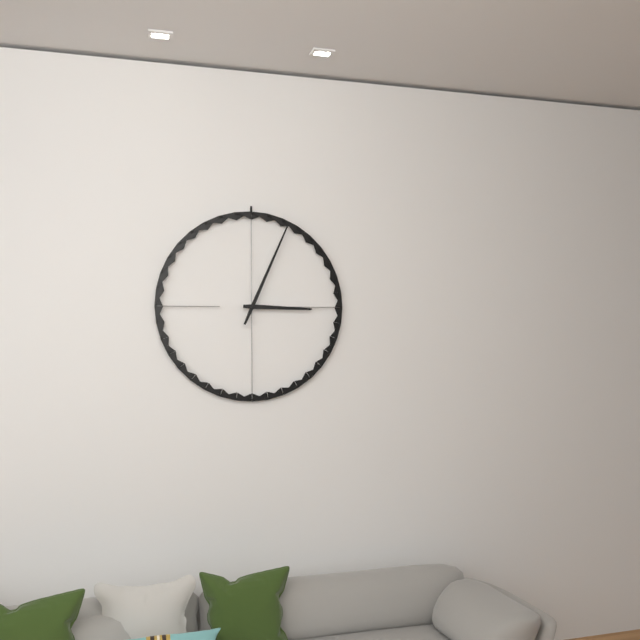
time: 3:04
